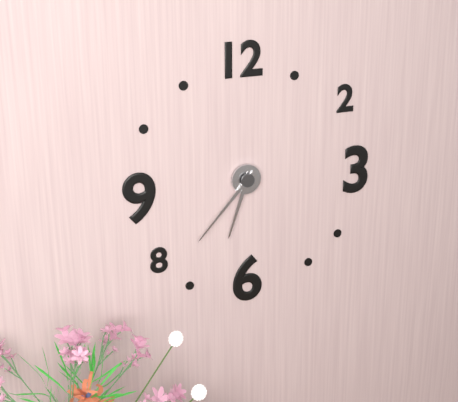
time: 6:37
